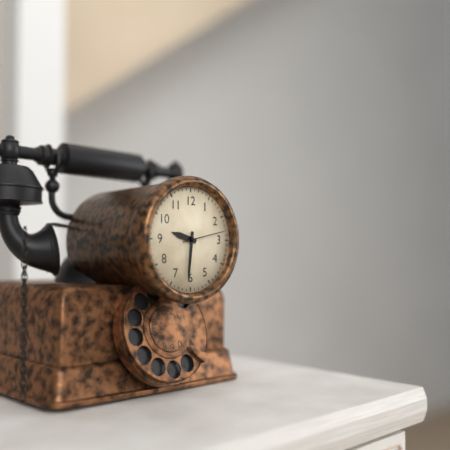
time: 9:31
